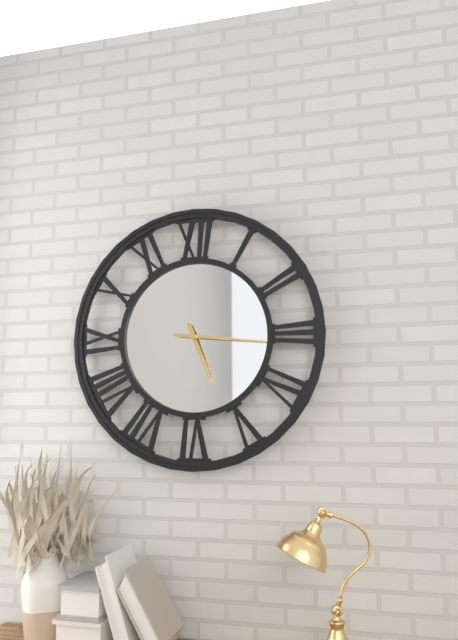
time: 5:16
